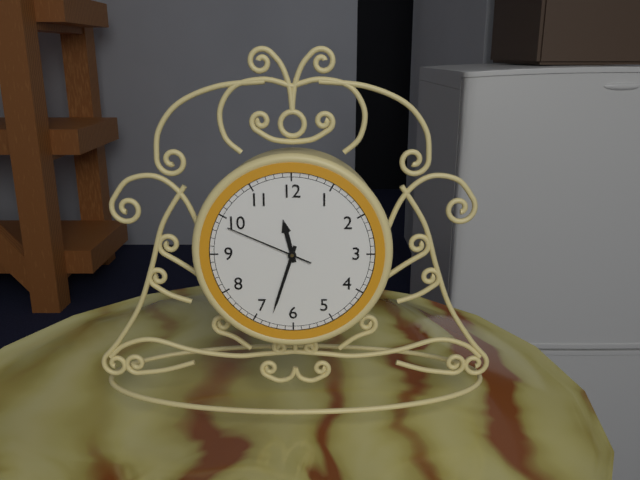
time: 11:33:49
